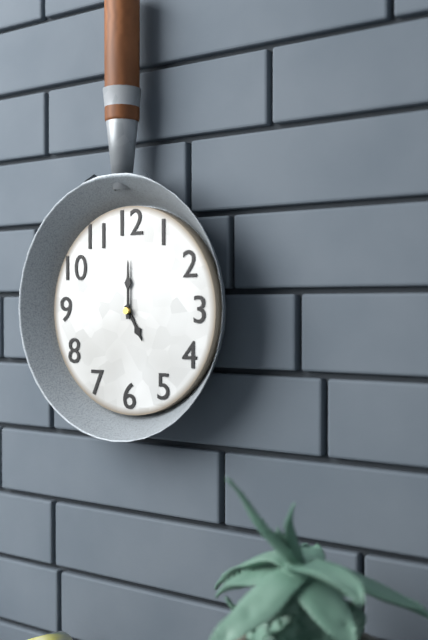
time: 5:00
